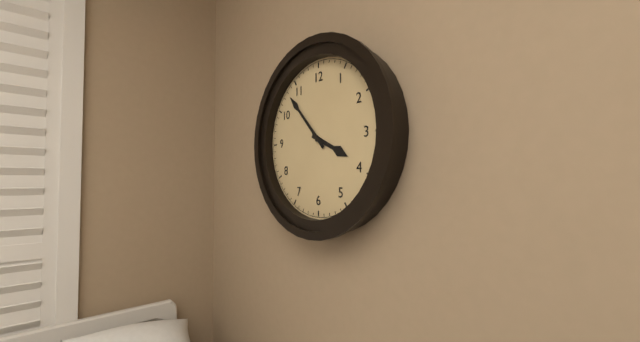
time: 3:53
